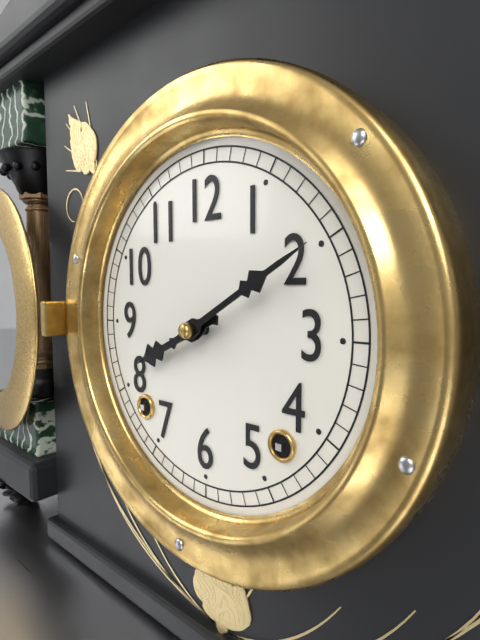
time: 8:10
